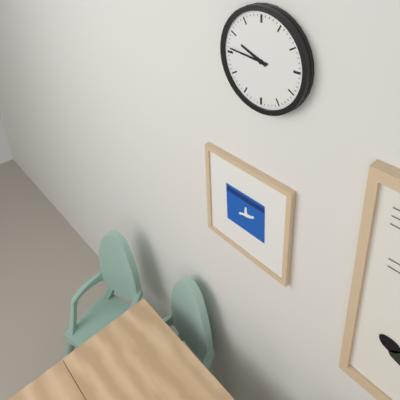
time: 9:46
